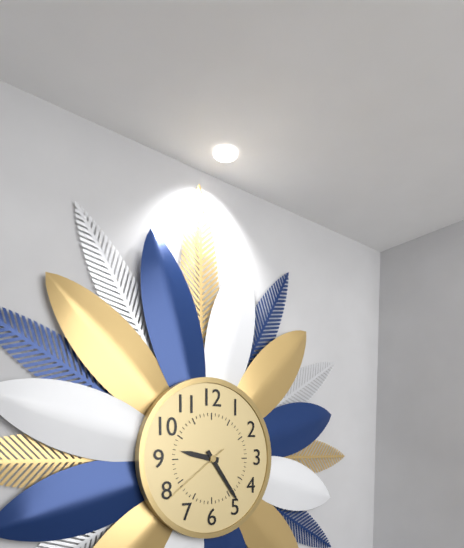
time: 9:24:39
